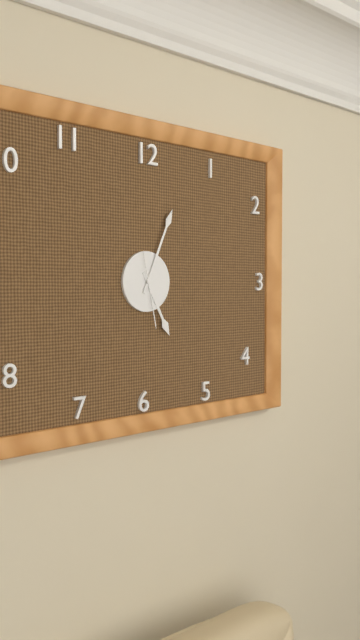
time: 5:04:28
